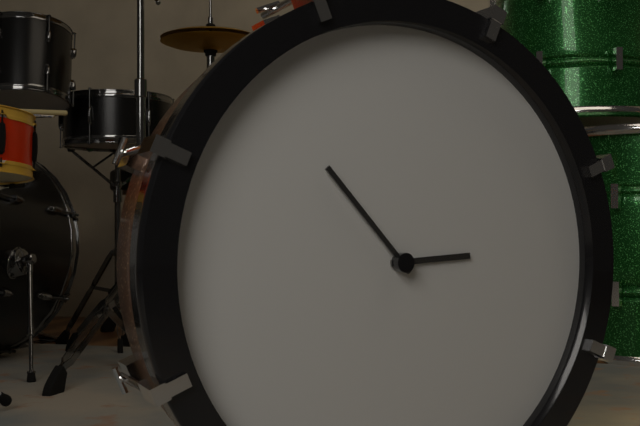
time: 2:53
